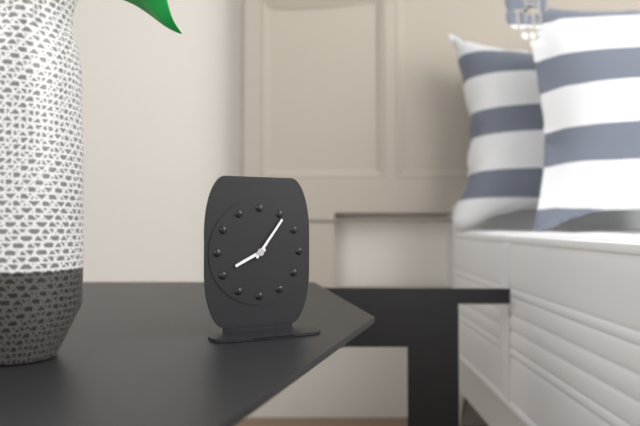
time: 8:06
